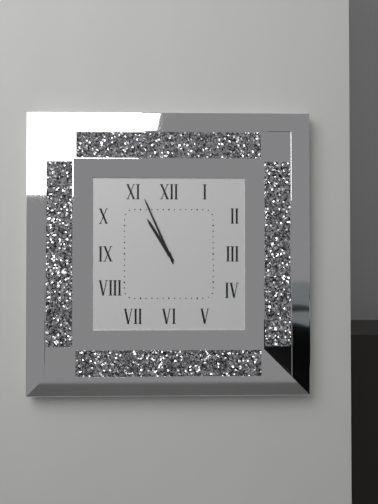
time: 10:56
